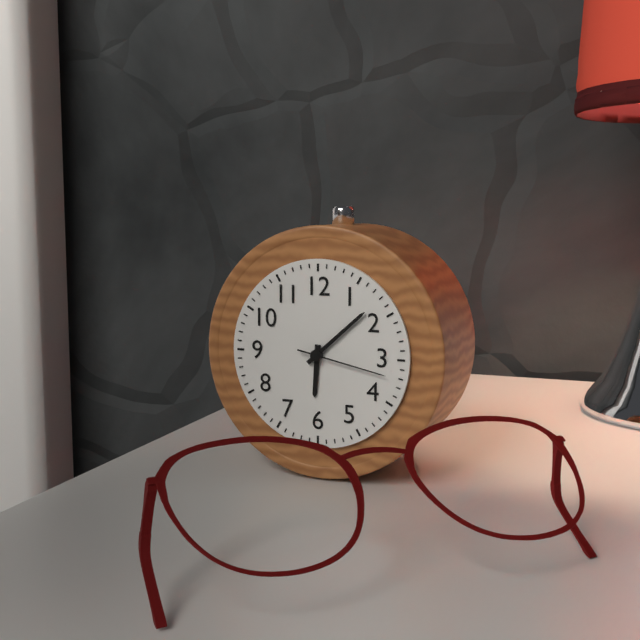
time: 6:08:17
